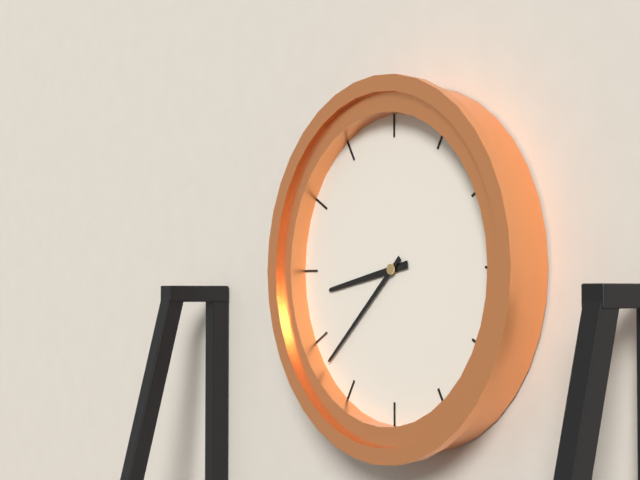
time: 8:38
